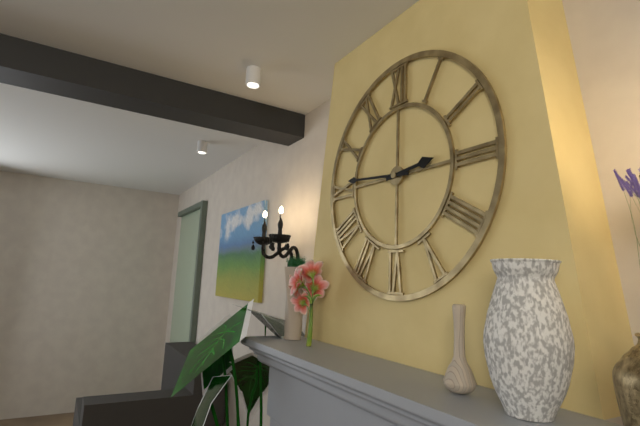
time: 2:46
